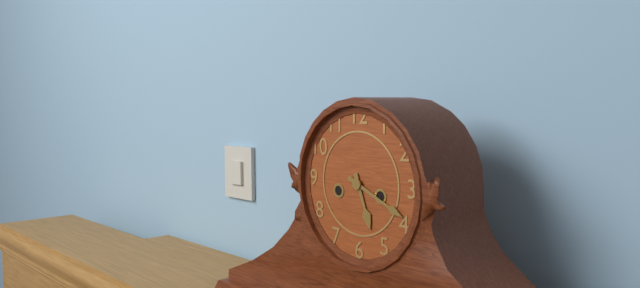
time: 5:19
